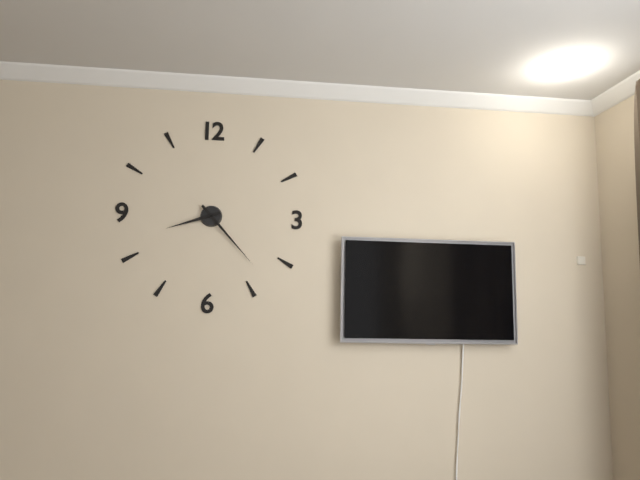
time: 8:23
